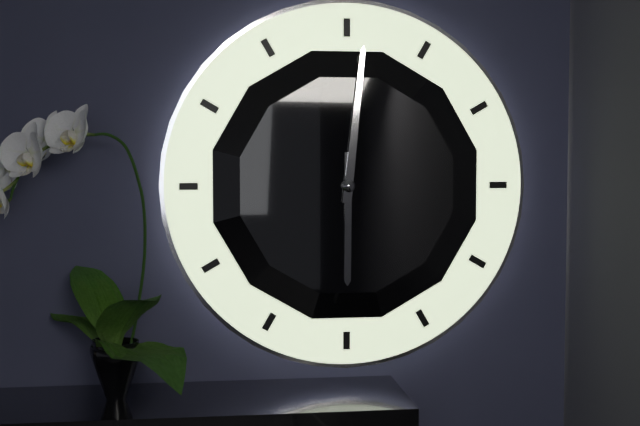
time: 6:01
